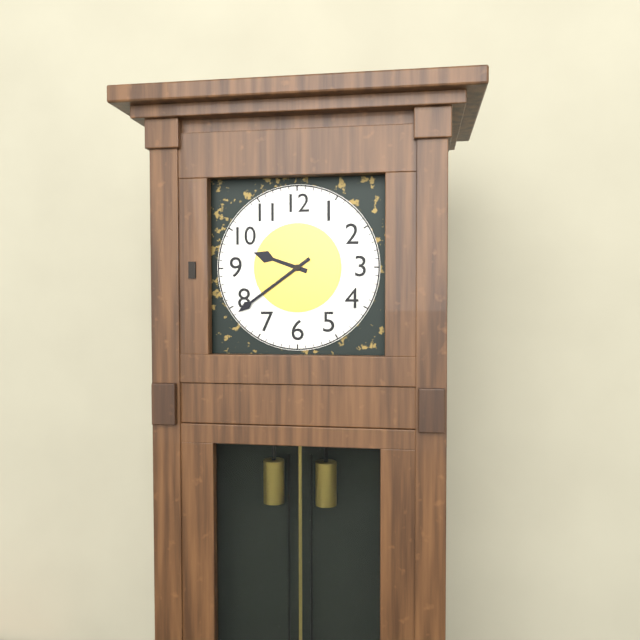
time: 9:39
